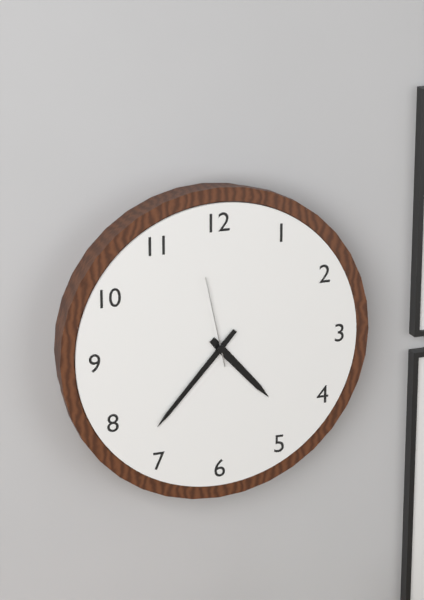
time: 4:37:58
